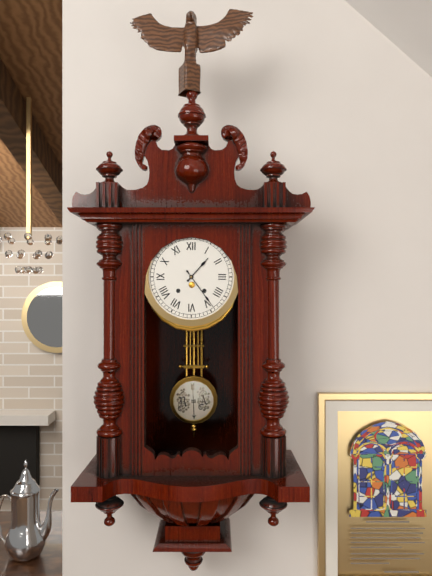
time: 1:24
